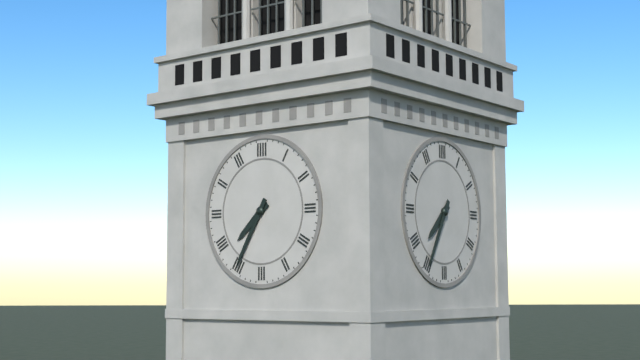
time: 7:35
